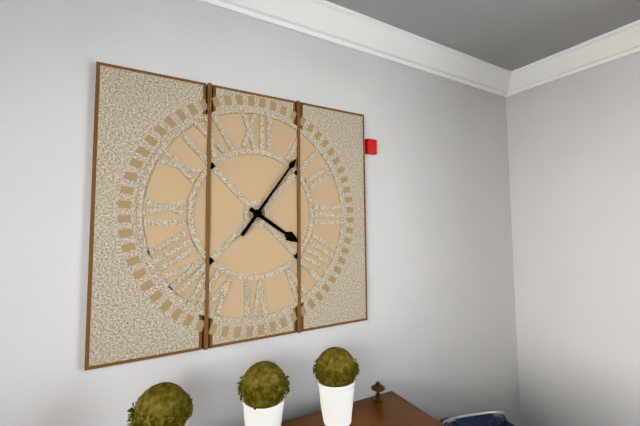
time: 4:06
